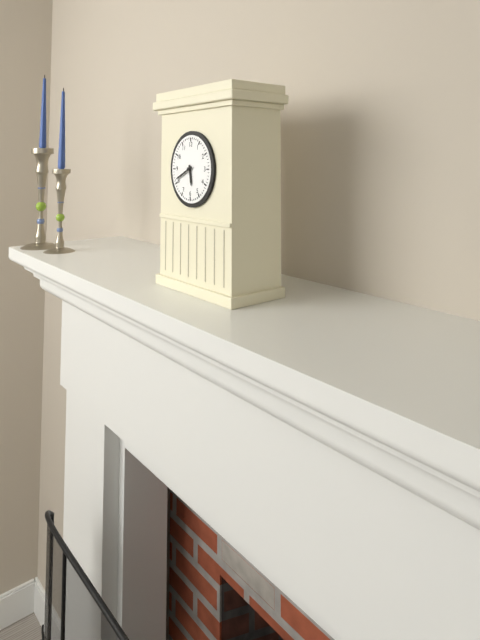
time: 5:41
